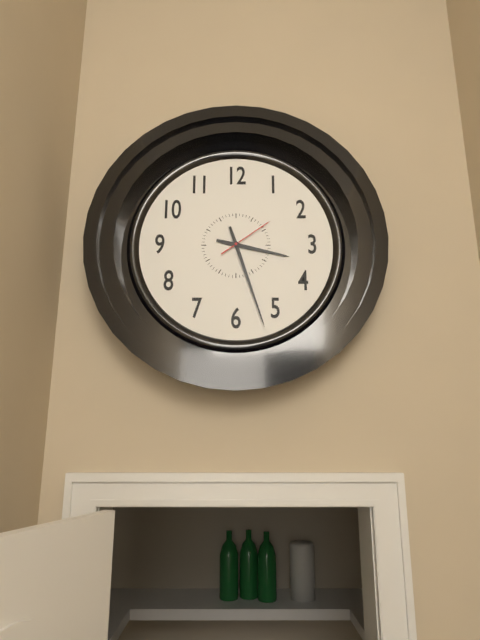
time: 3:27:09
